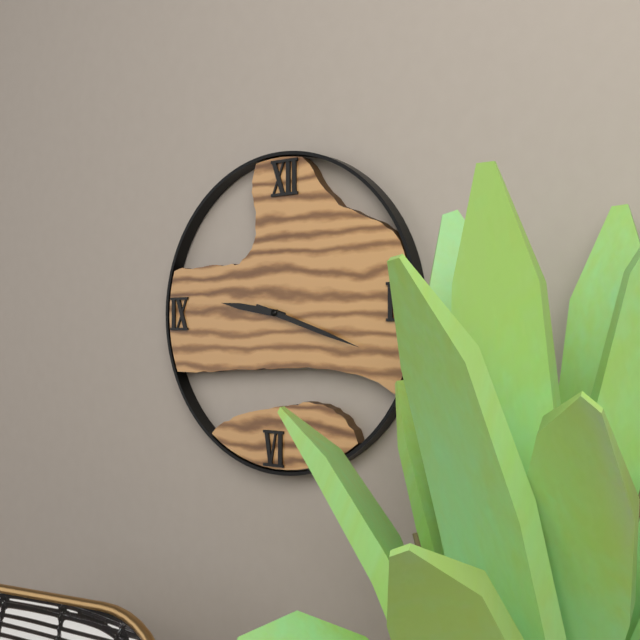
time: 9:18
